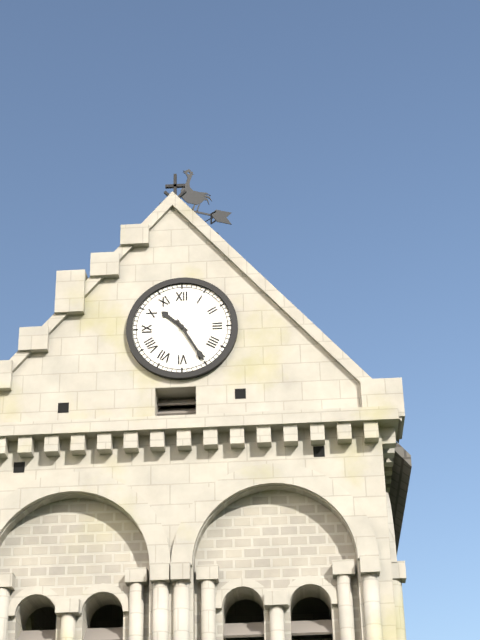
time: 10:25
